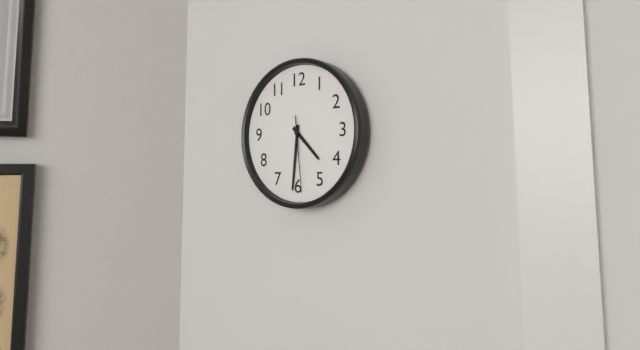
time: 4:31:29
